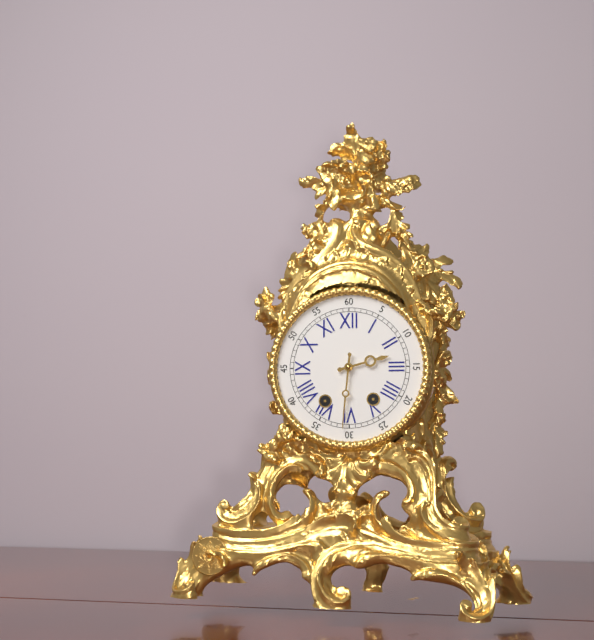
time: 2:31
